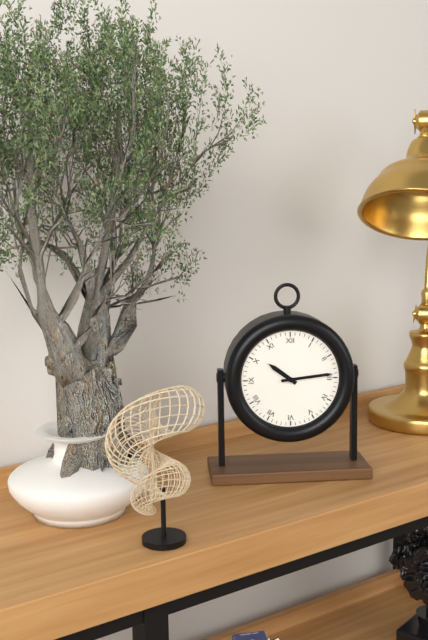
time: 10:14
